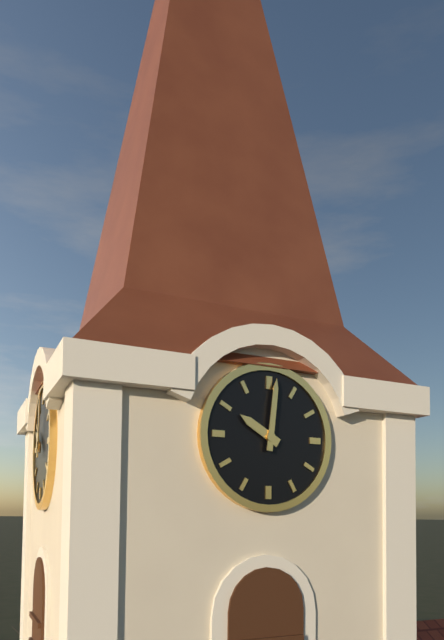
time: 10:01
